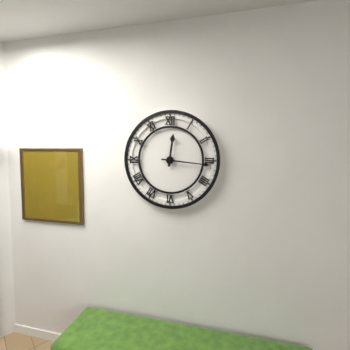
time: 12:16
